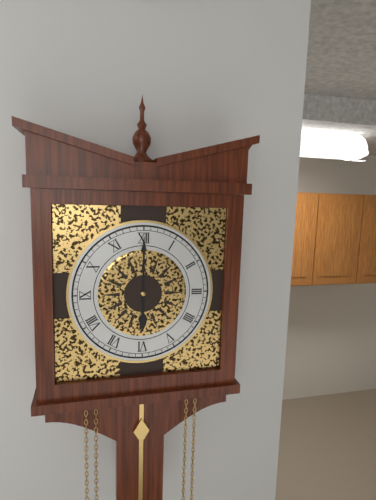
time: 6:00
